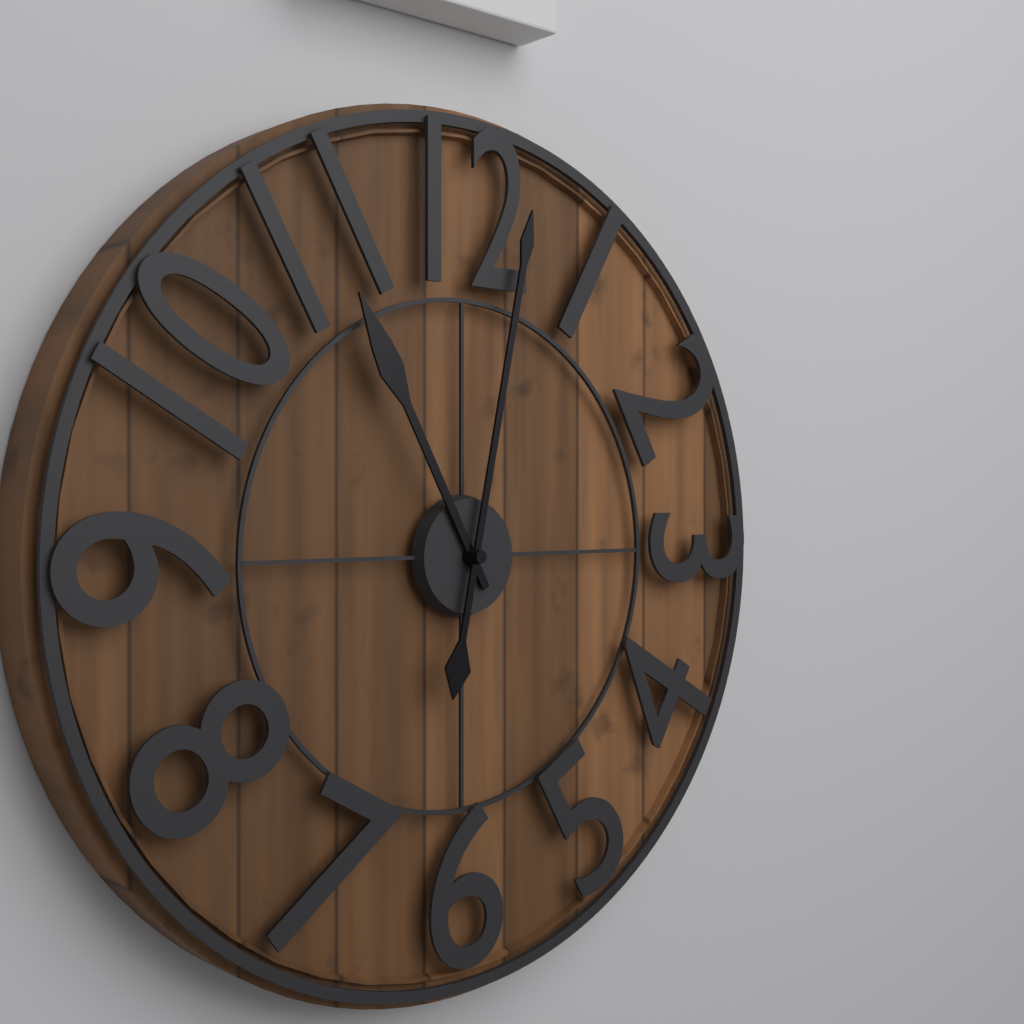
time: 11:02
